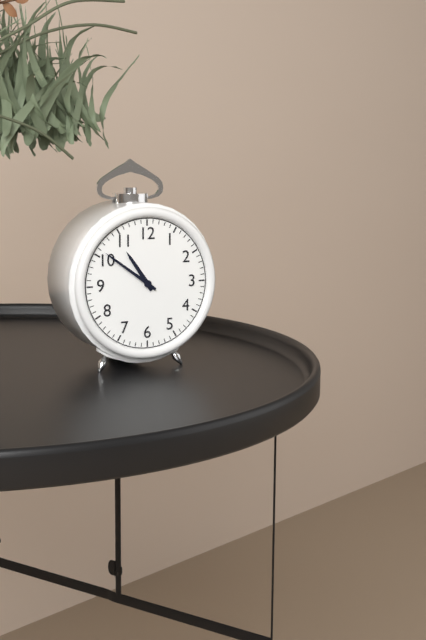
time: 10:51
